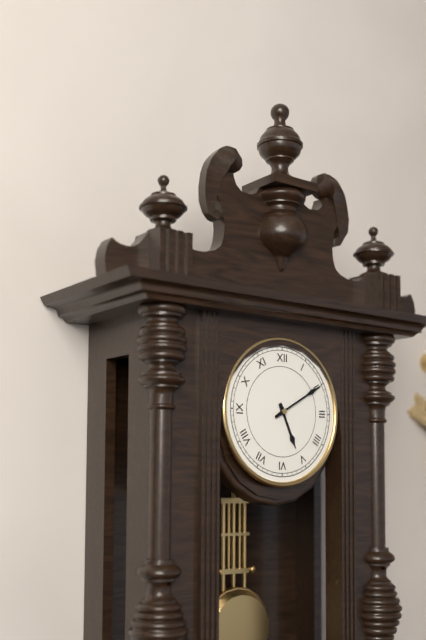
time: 5:10
